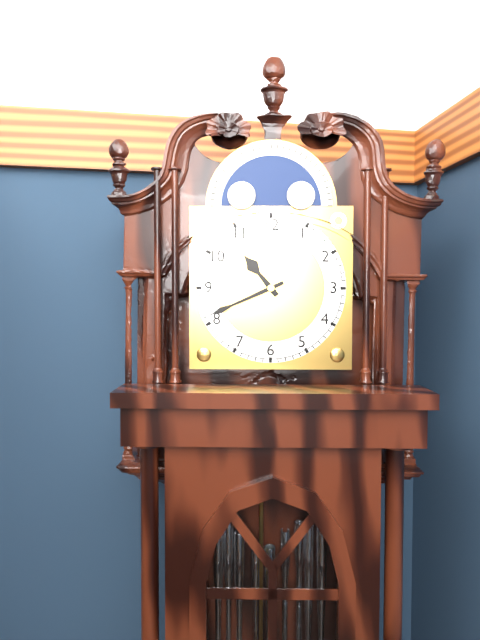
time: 10:41
